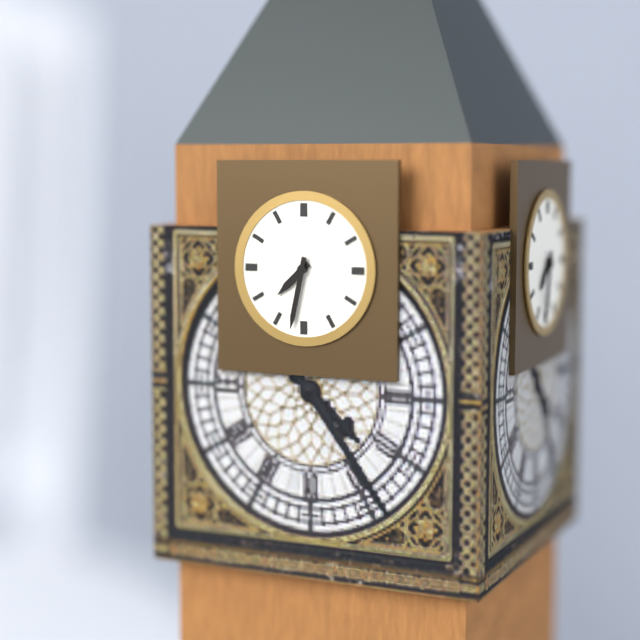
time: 7:32
